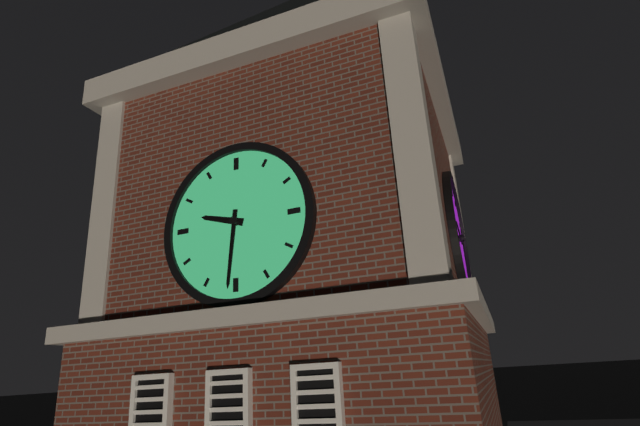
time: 9:31
